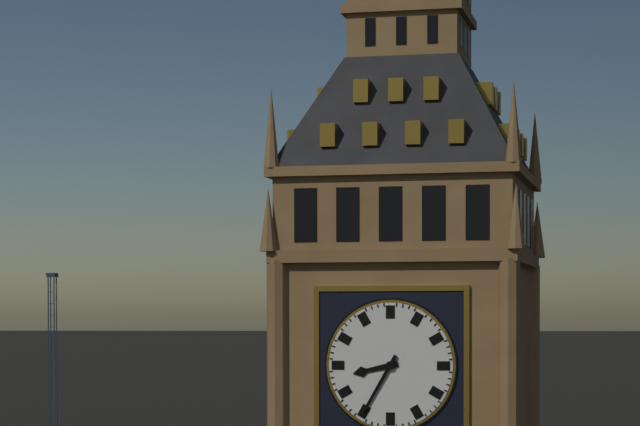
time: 8:35
